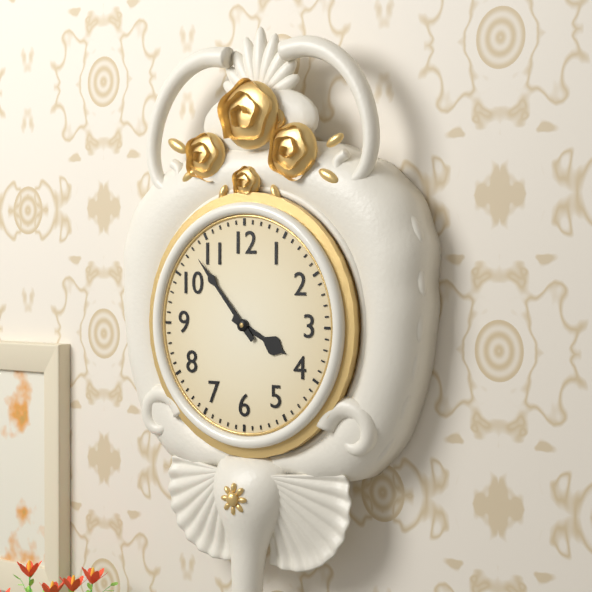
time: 3:53
